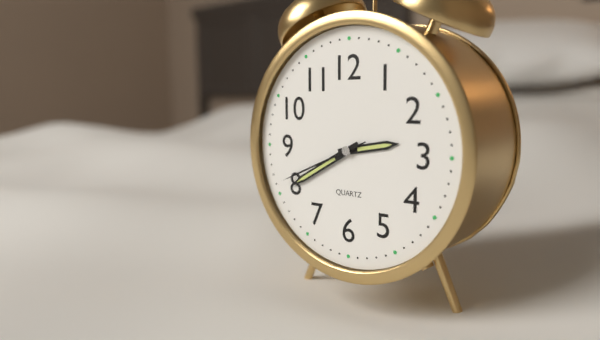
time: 2:40:41
